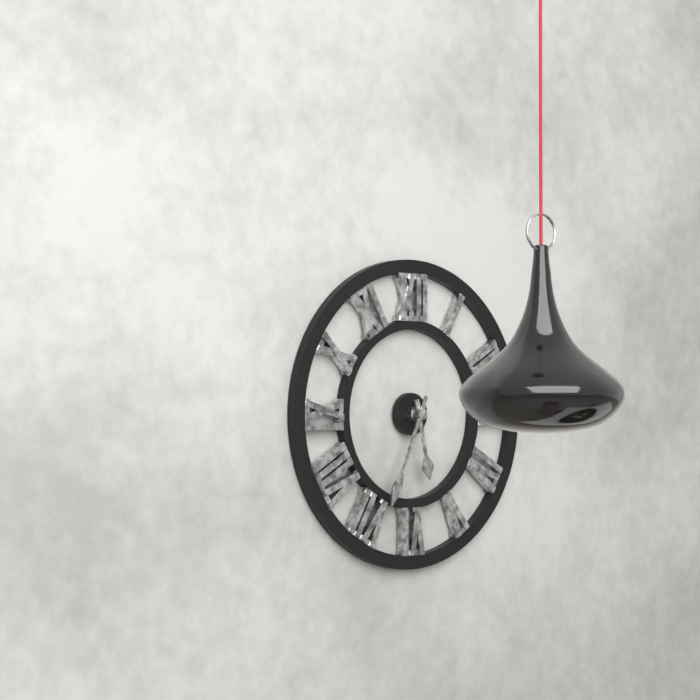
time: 5:34
